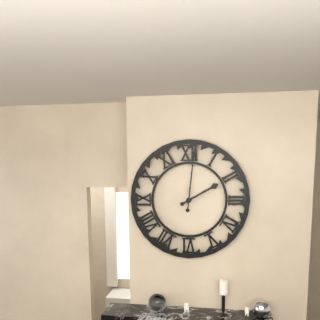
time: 2:01
